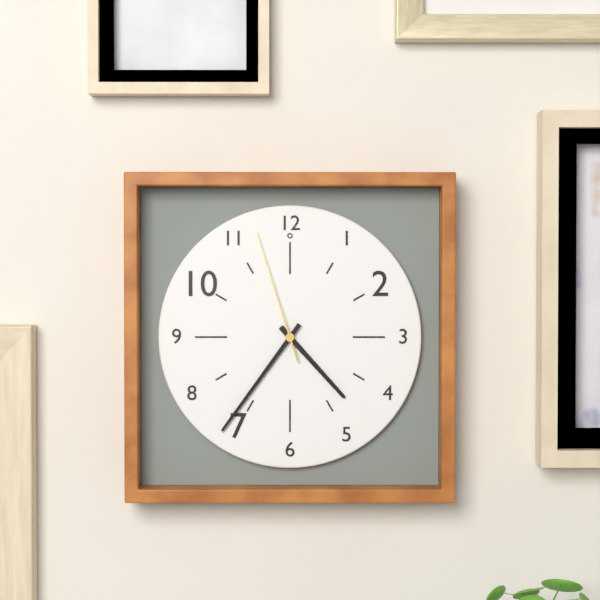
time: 4:36:57
